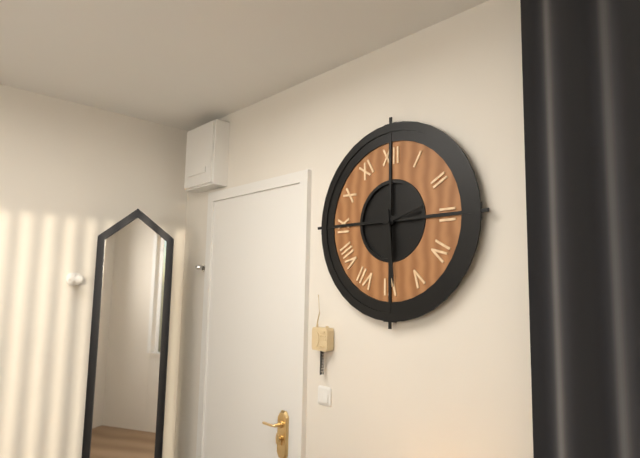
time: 2:29
